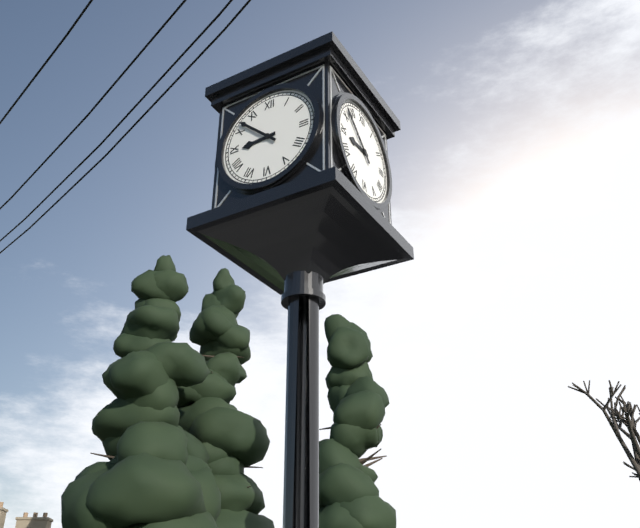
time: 8:52
